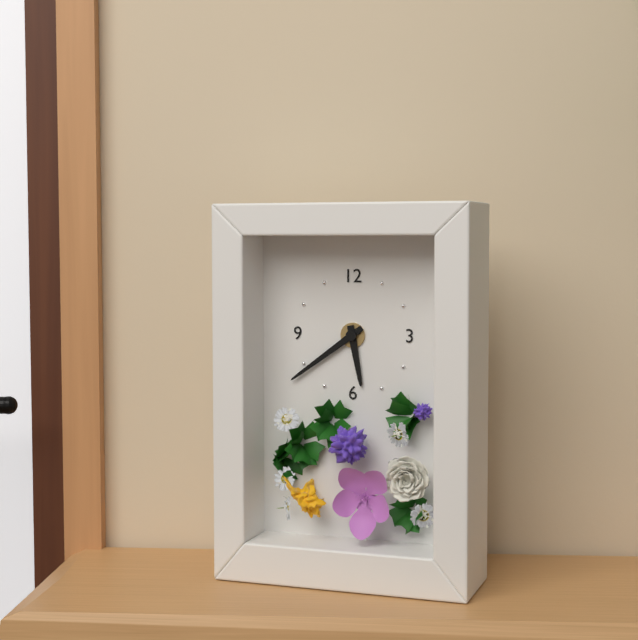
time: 5:39
